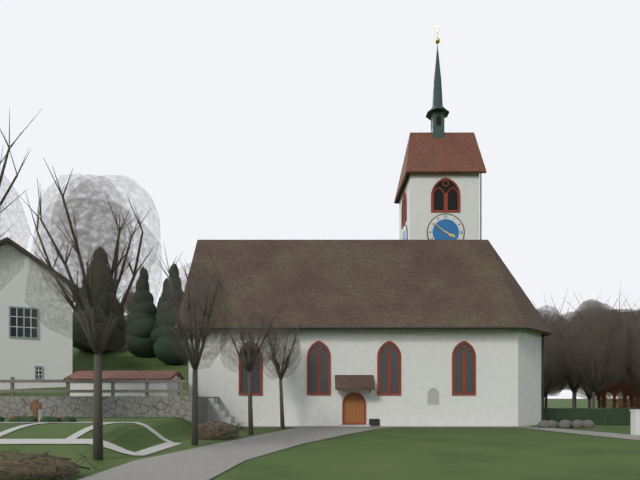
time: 3:51
